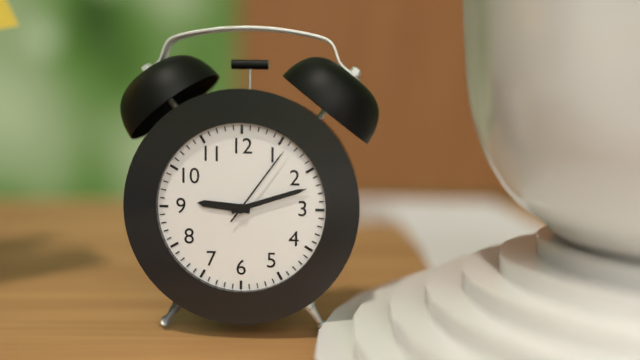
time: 9:12:06
